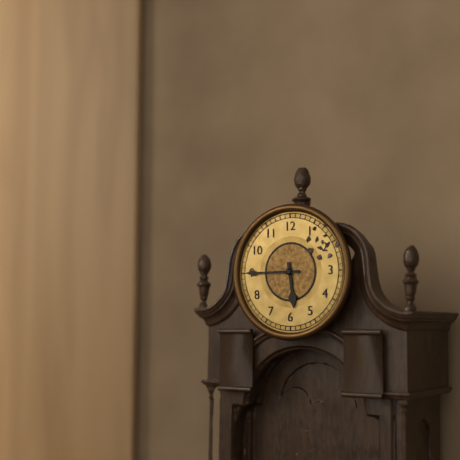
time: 5:45
